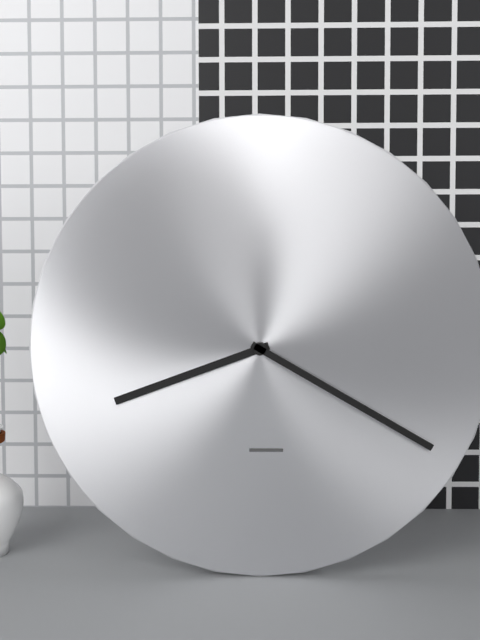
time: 8:20
